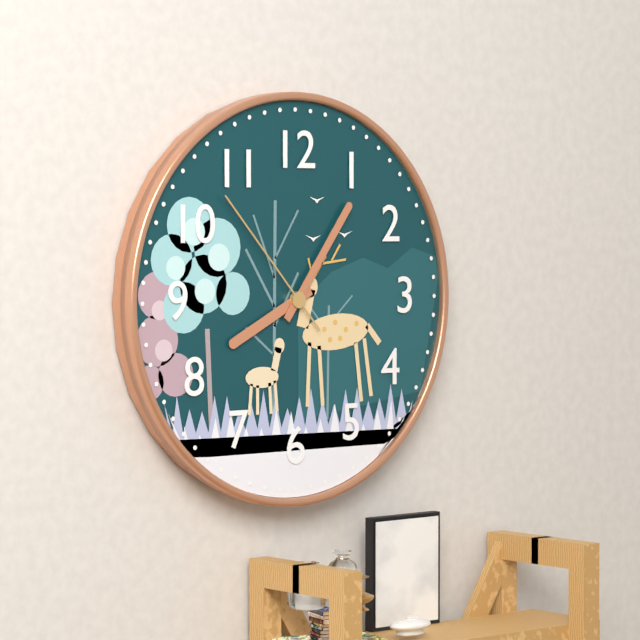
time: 8:06:53
